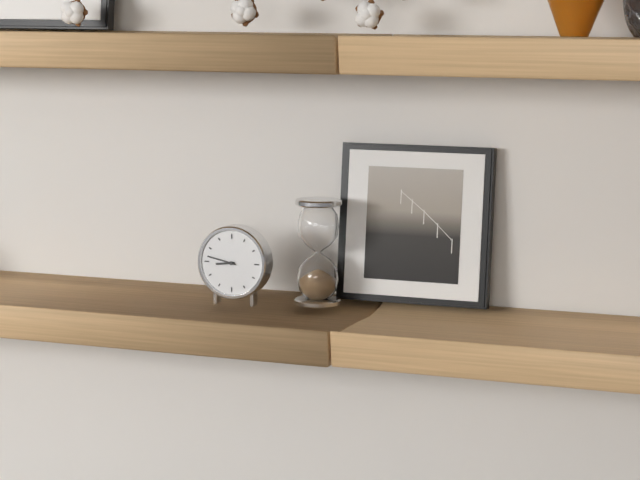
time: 8:47
